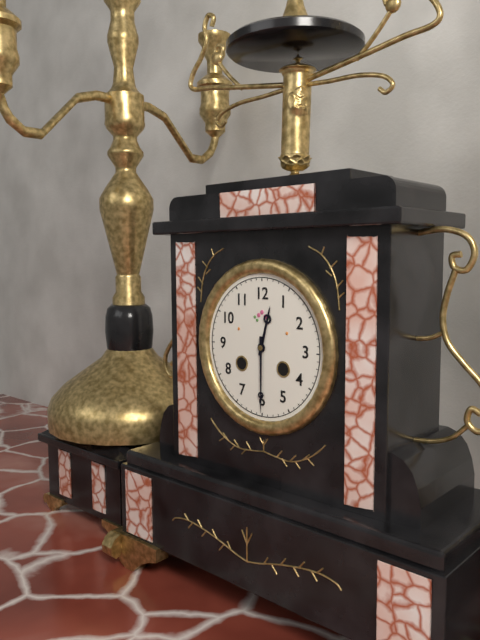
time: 12:30
